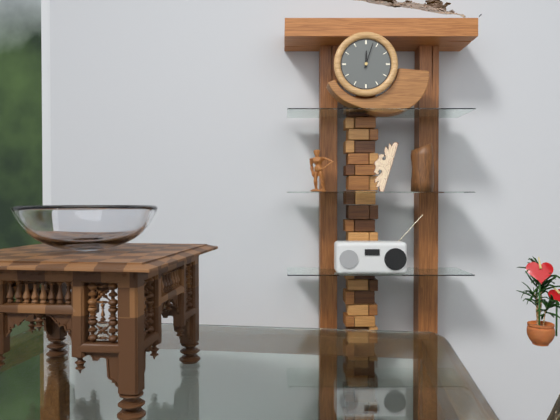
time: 12:03
